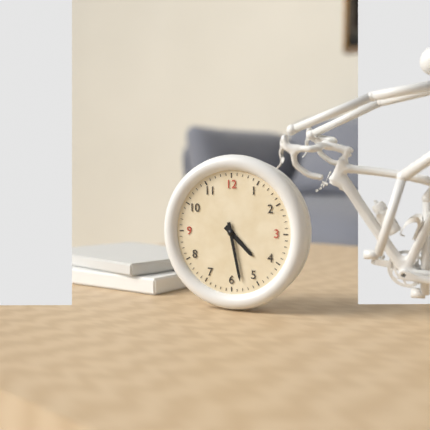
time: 4:28
